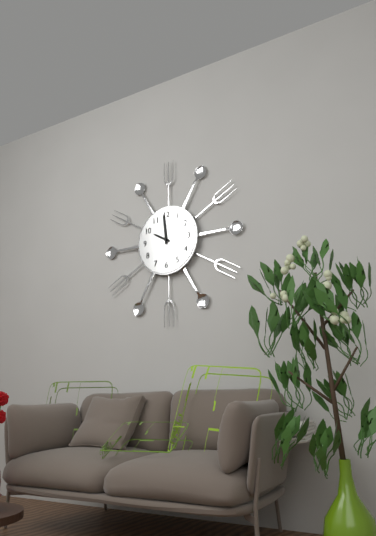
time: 9:59
